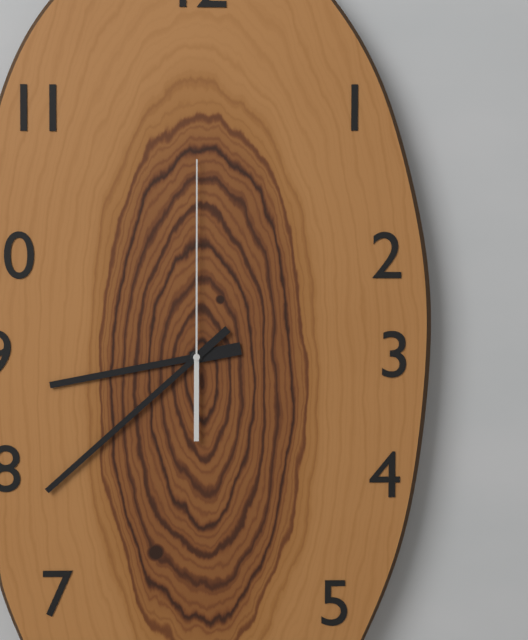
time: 8:38:00
